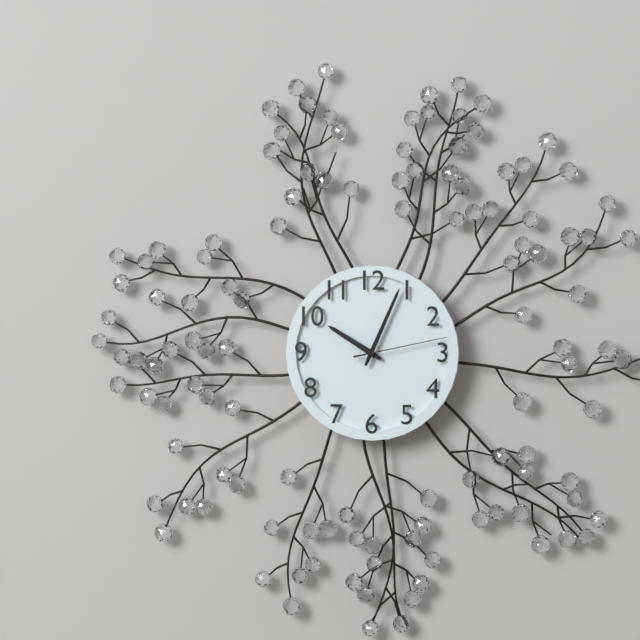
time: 10:04:13
